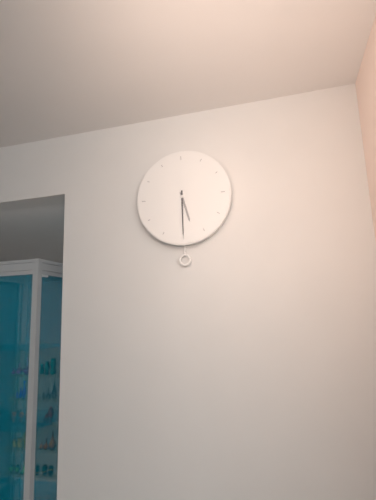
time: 5:30
